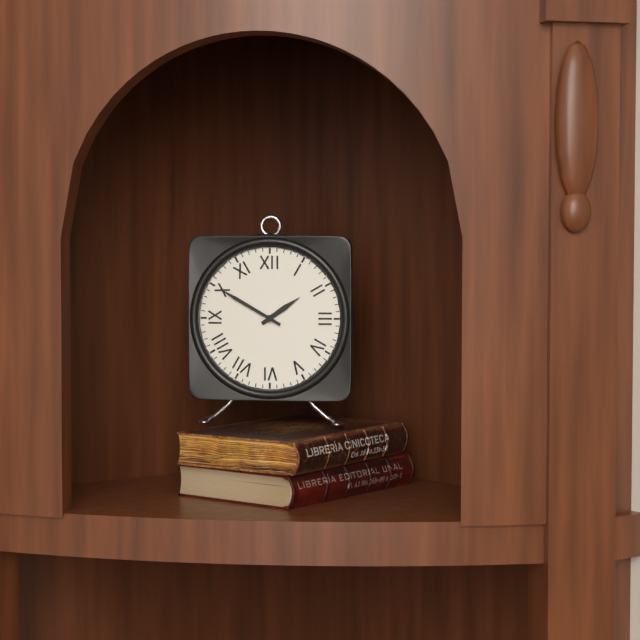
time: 1:50
